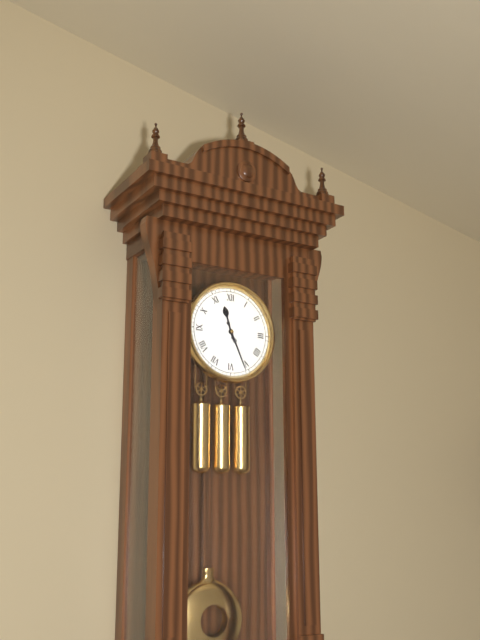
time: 11:26
